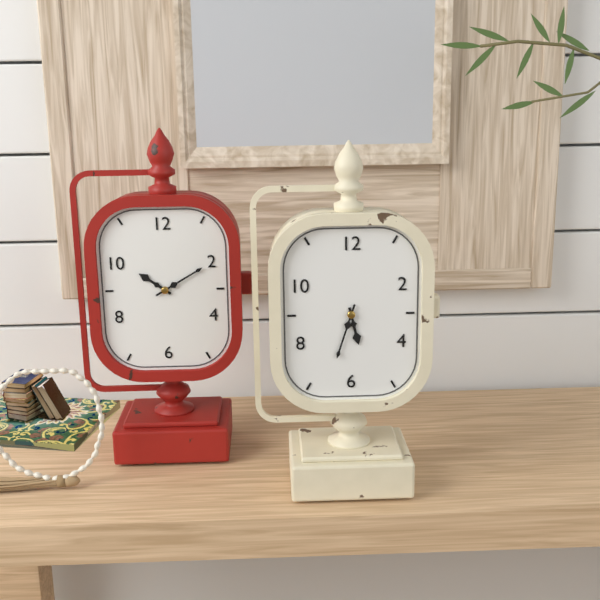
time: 5:33
